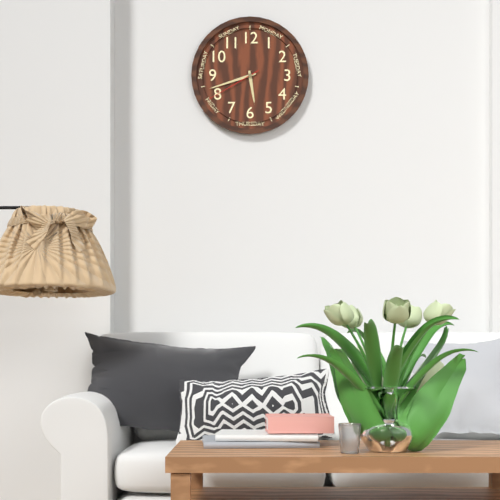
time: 5:42:40
